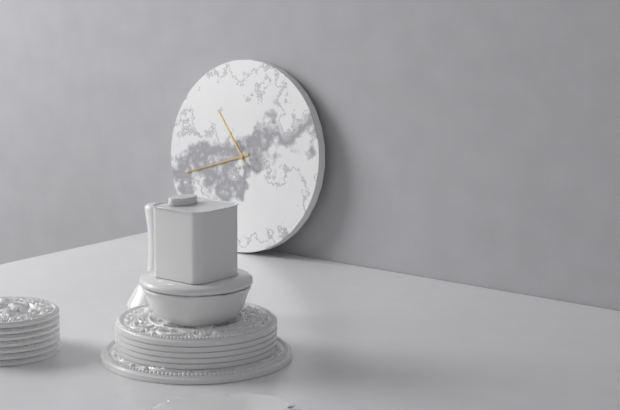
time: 10:42
